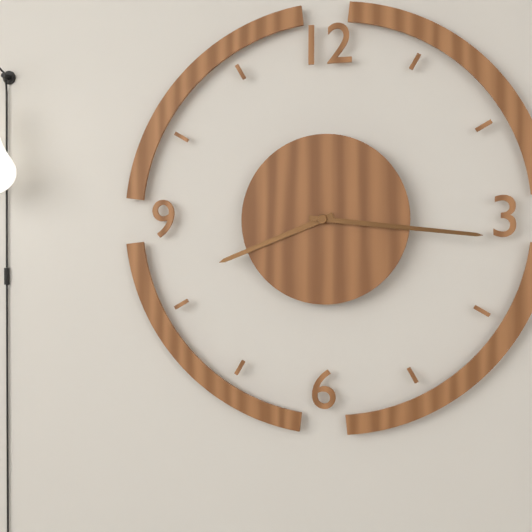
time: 8:16
